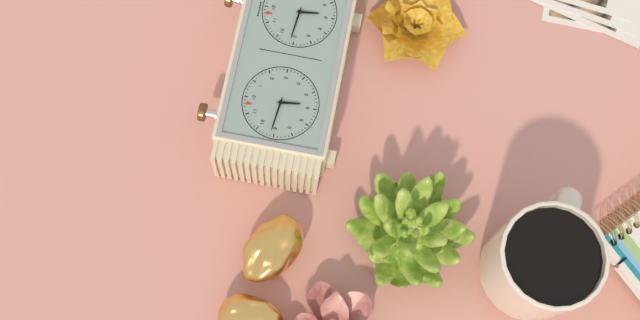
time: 5:46
